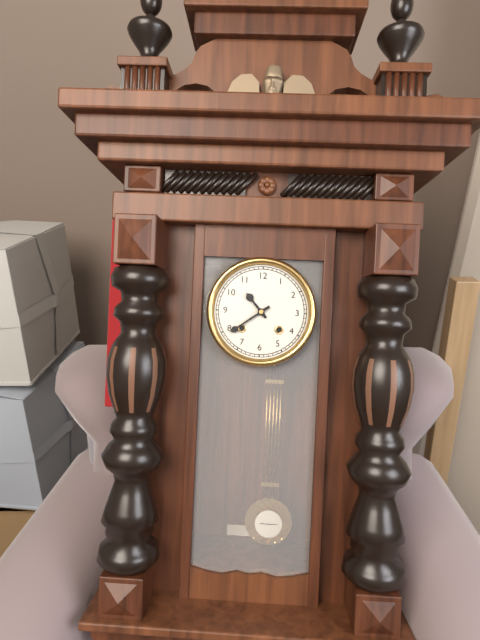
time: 10:39
